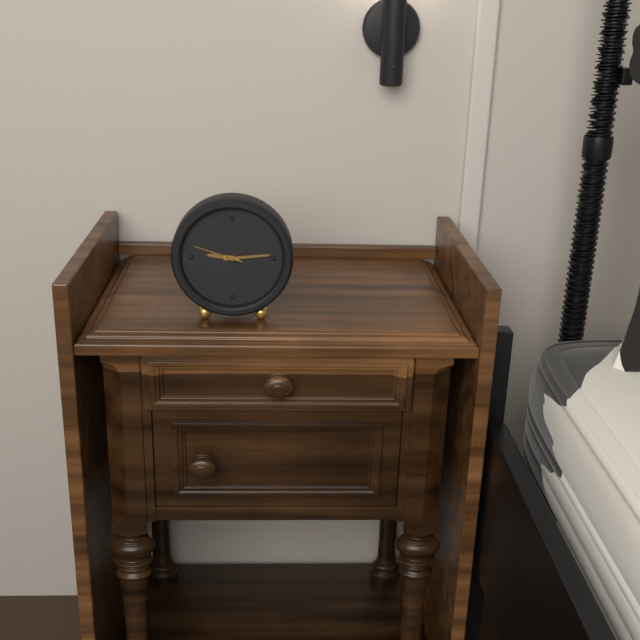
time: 9:14:48
